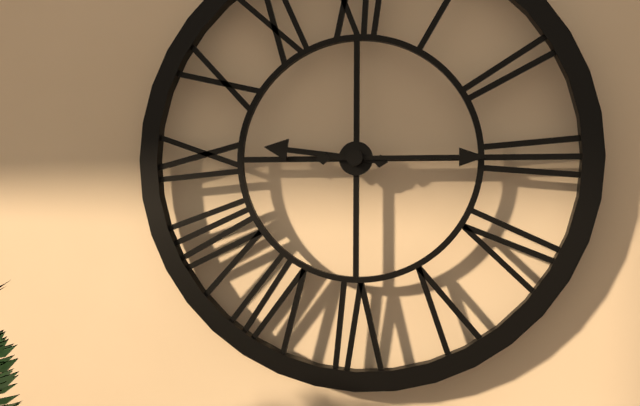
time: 9:15
